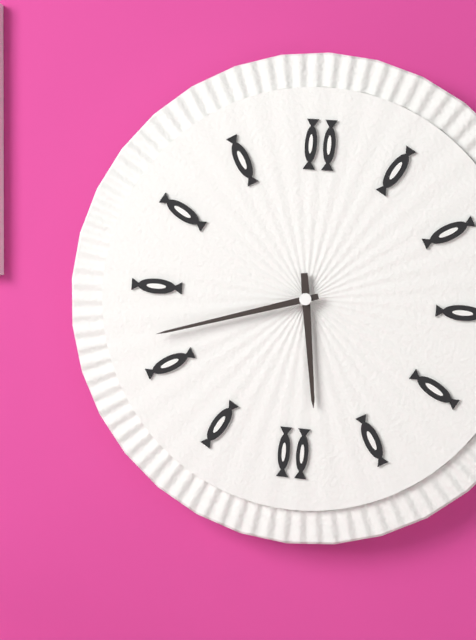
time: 5:42
